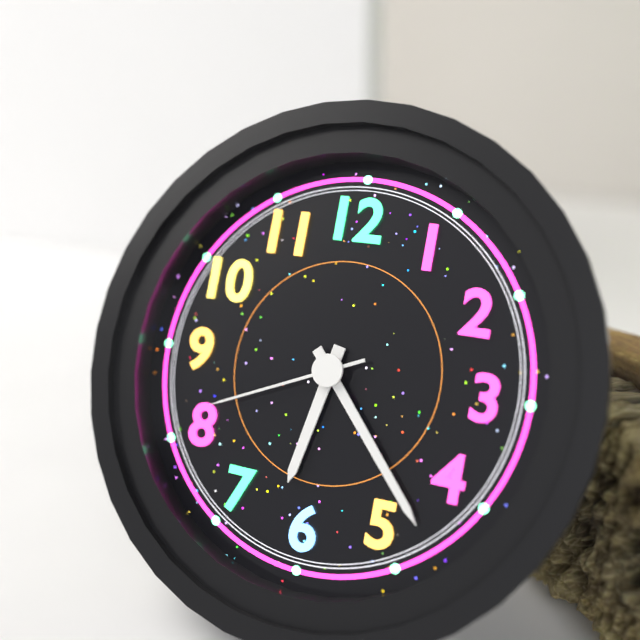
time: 6:23:41
